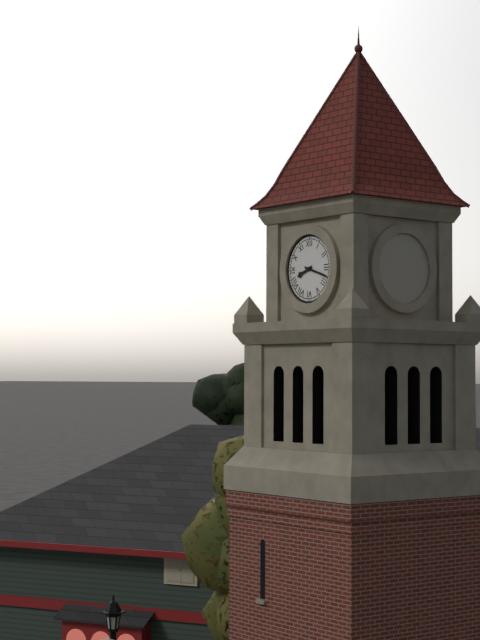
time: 8:18
